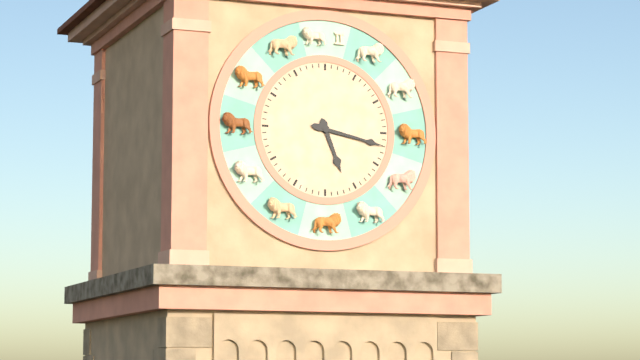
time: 5:17
